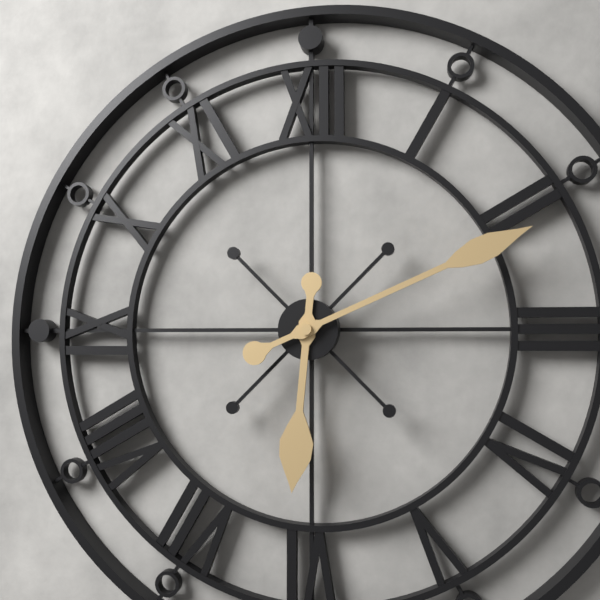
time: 6:11
